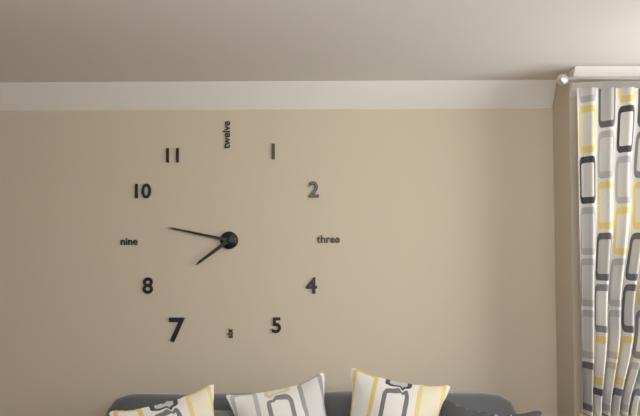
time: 7:47
